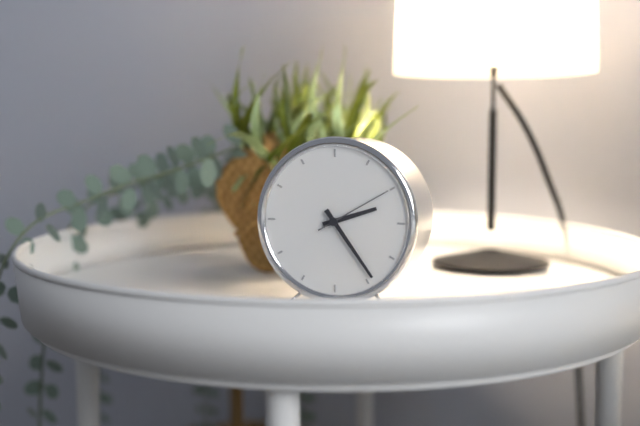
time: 2:24:10
